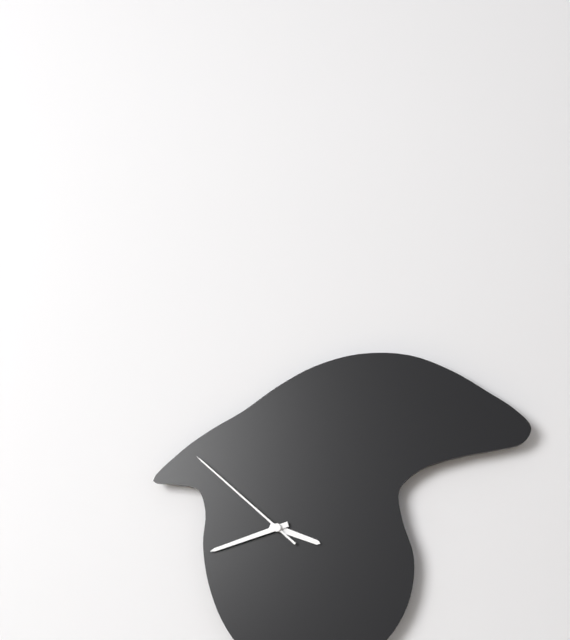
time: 3:42:52
